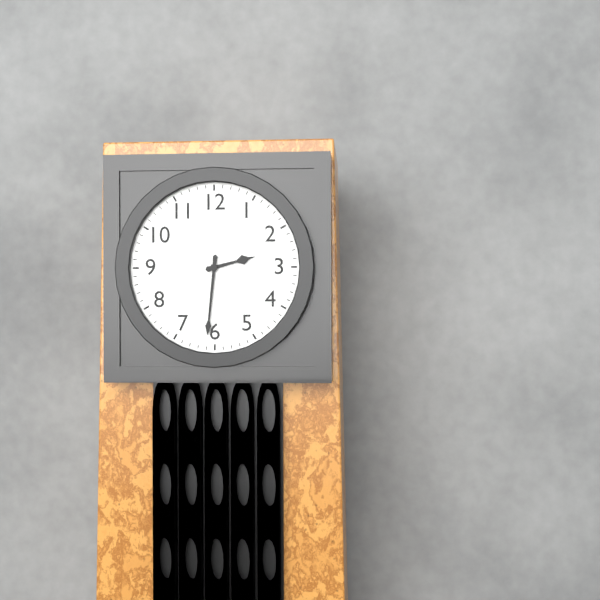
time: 2:31
